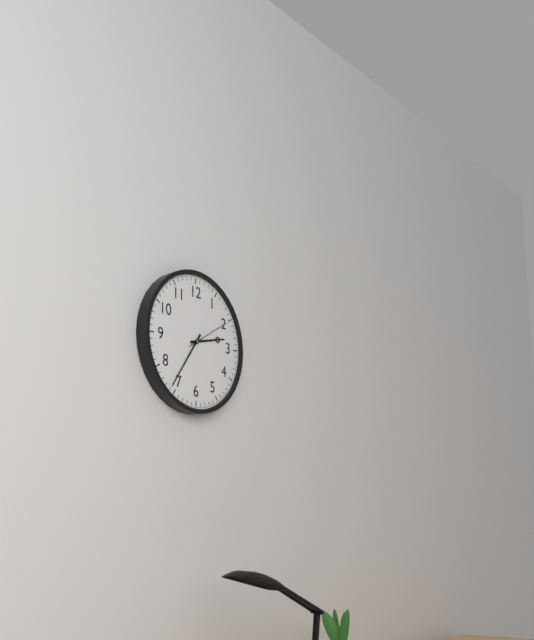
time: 2:36
